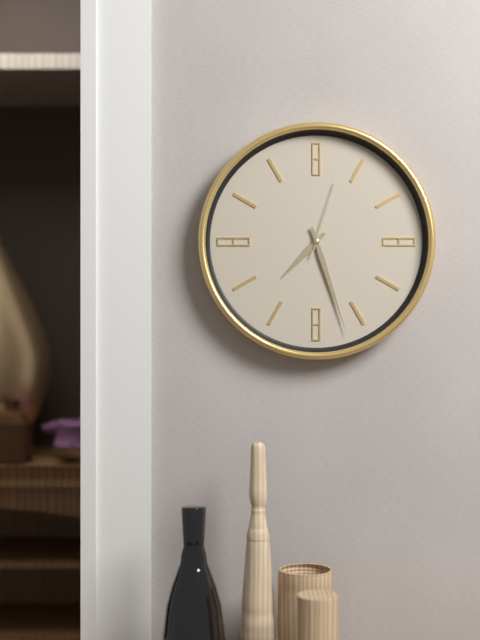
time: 7:27:03
